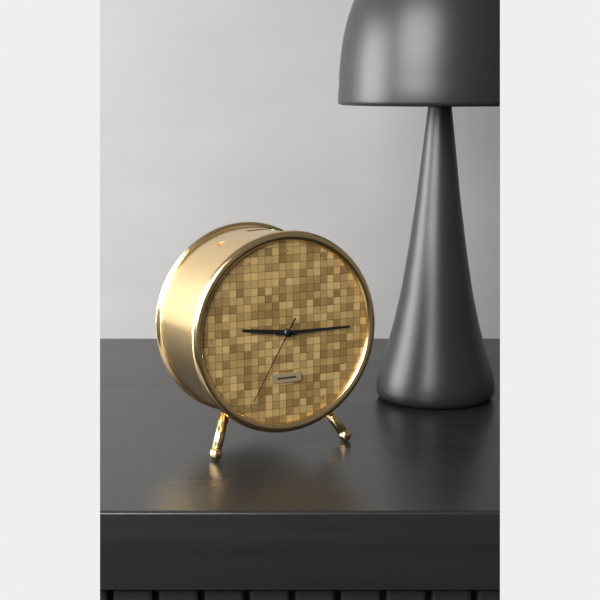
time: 9:15:35
